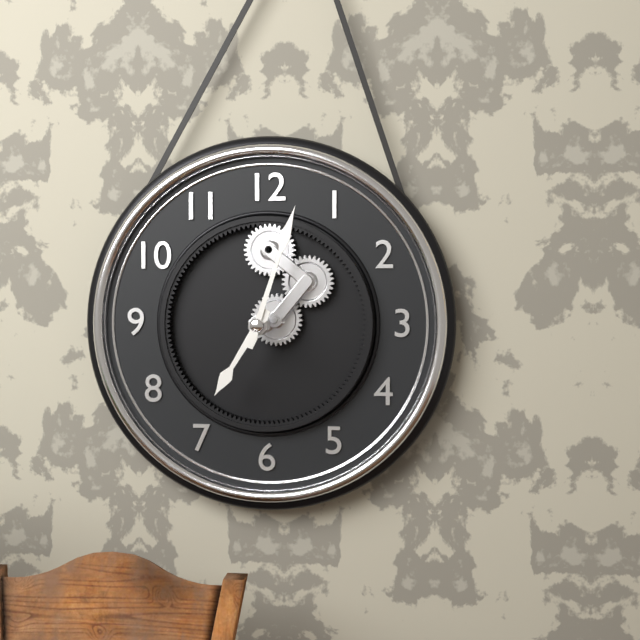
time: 7:03
